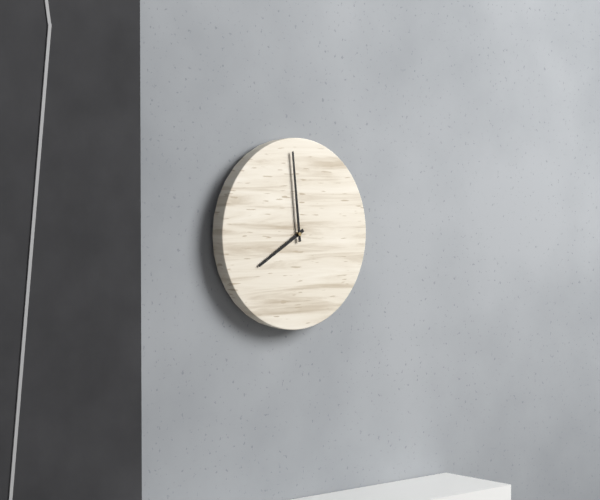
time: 7:59
